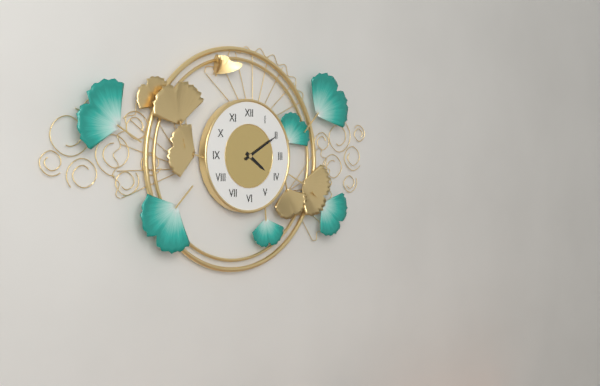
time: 4:10
